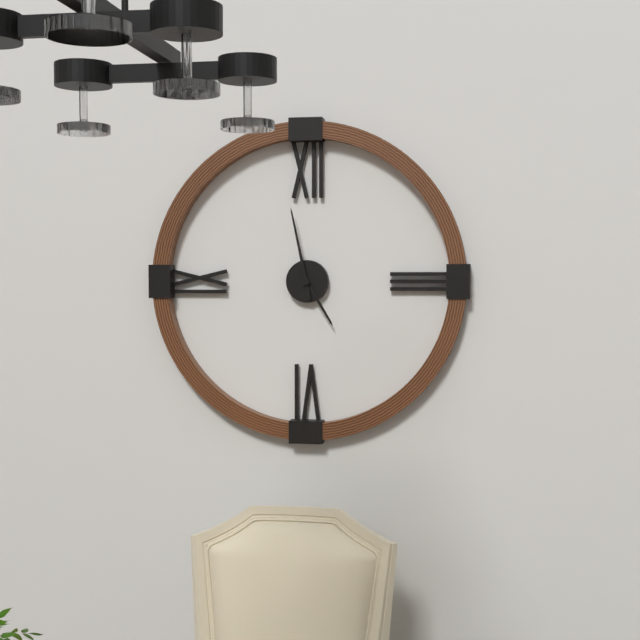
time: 4:58
